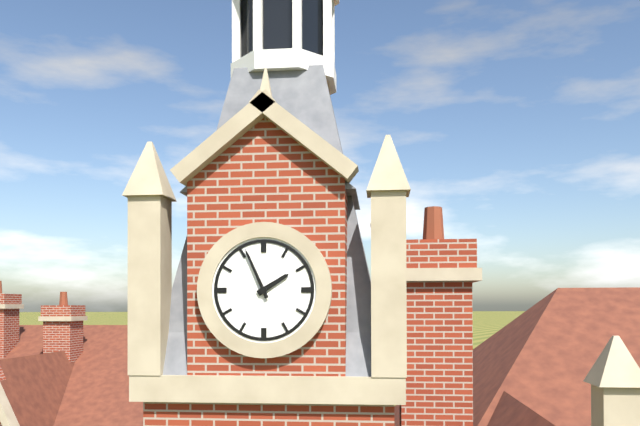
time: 1:56
